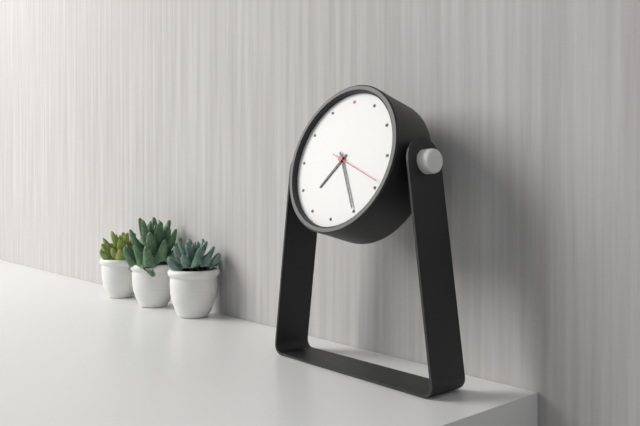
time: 7:25:19
